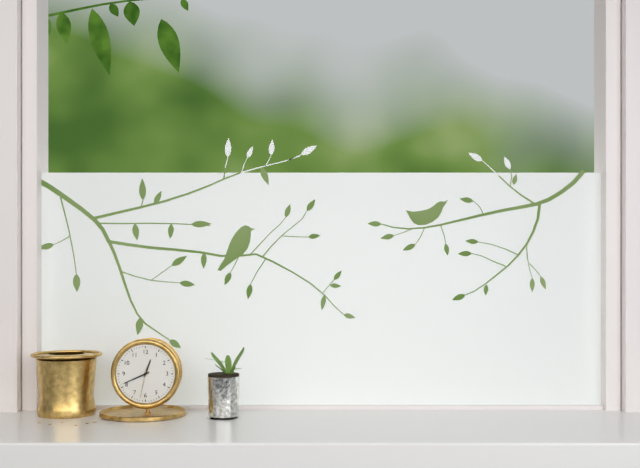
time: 12:41
